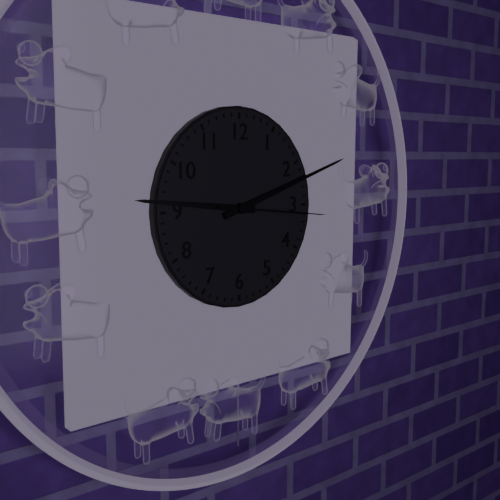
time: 9:12:16
